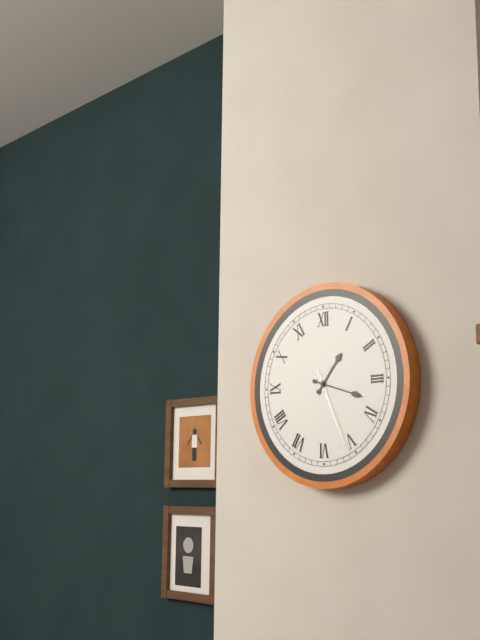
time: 1:18:26
